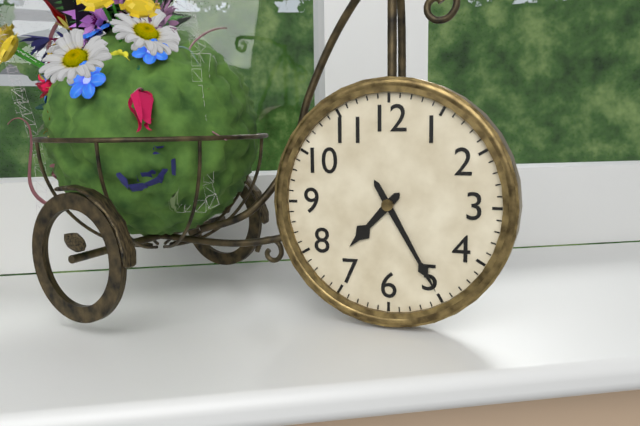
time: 7:25
